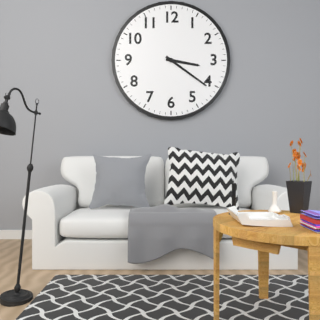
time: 3:21
